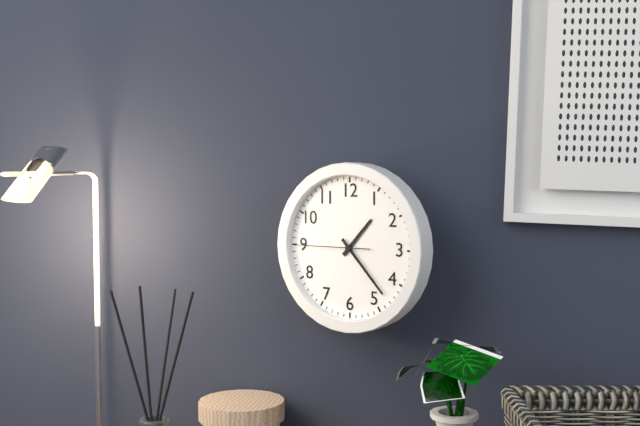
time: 1:23:45
